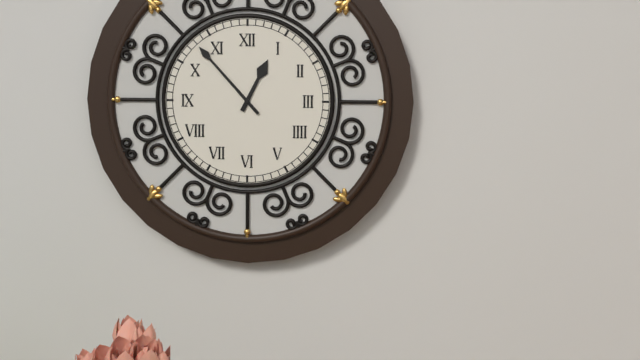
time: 12:53
